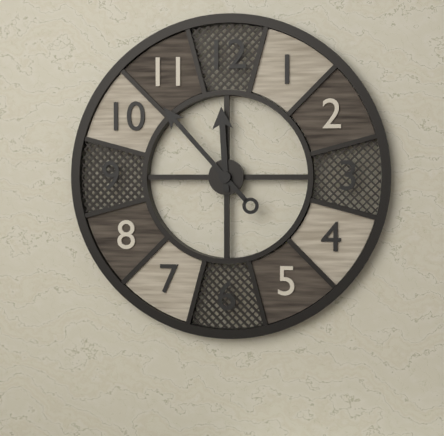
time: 11:53
